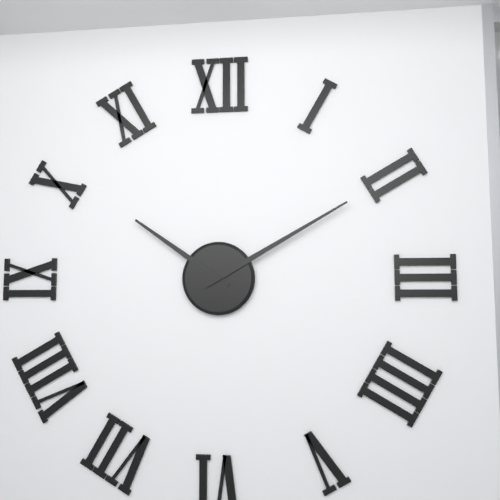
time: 10:10
